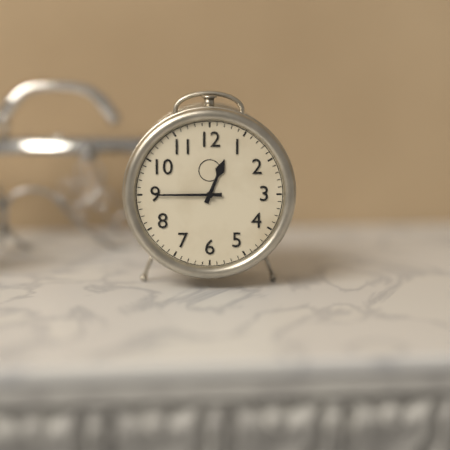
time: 12:45
